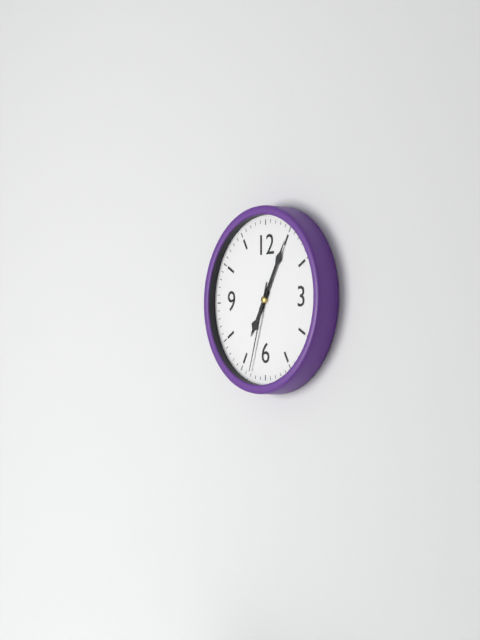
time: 7:05:33
